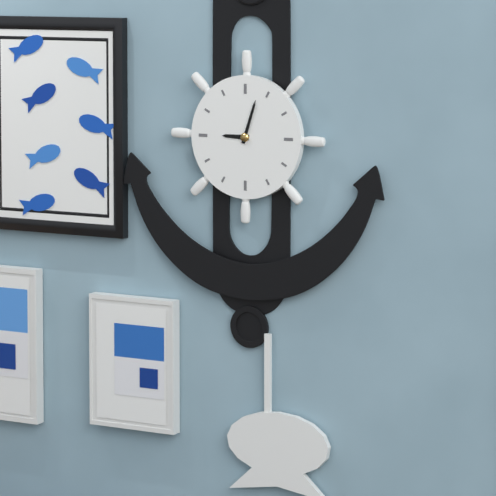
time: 9:03
